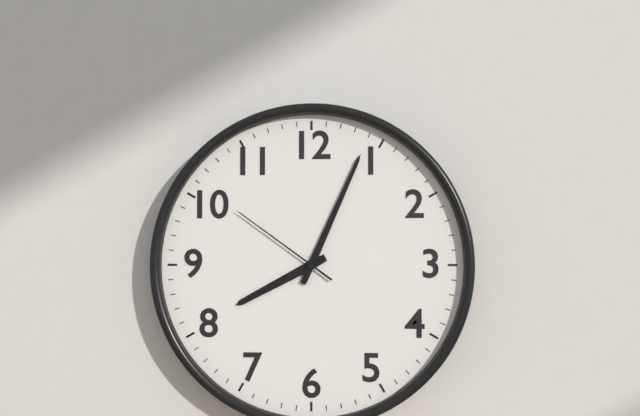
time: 8:04:51
